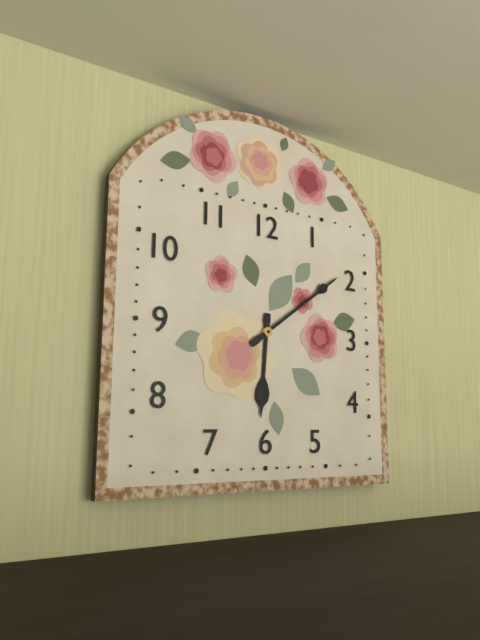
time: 6:09
